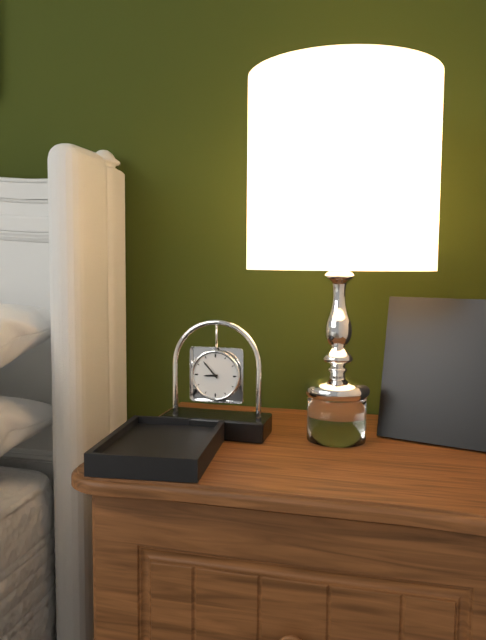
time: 8:53
